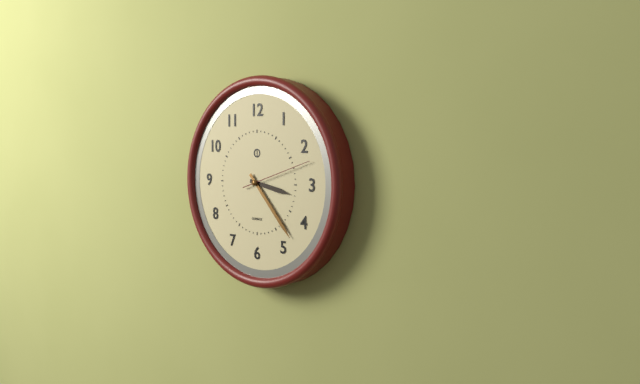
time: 3:23:12
